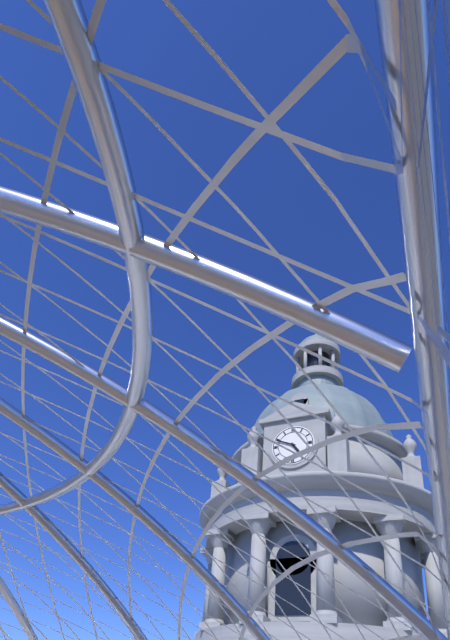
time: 4:49
